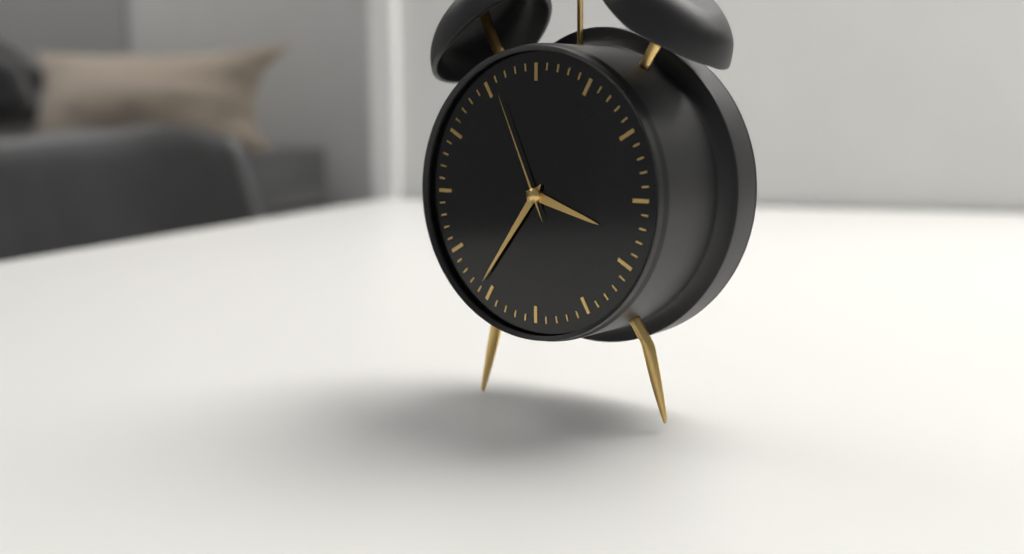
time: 3:36:56
